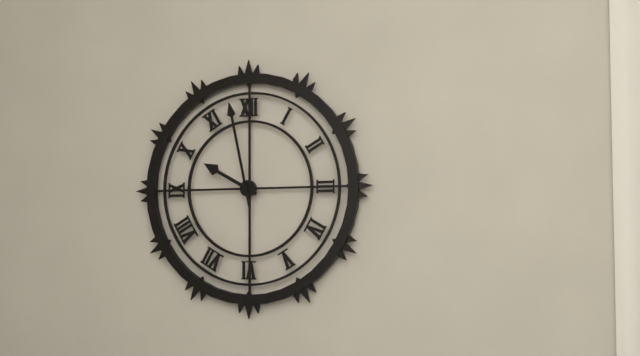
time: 9:58
